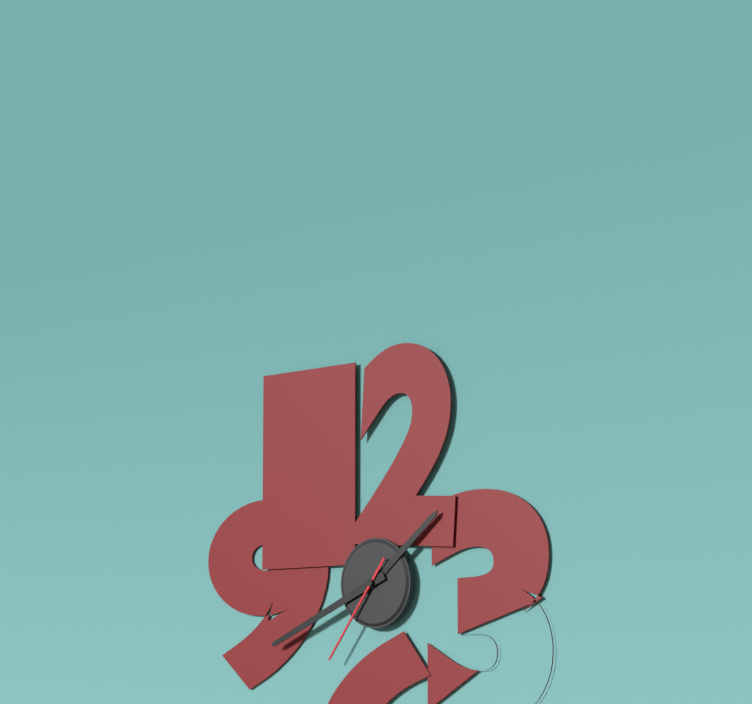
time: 1:41:36
